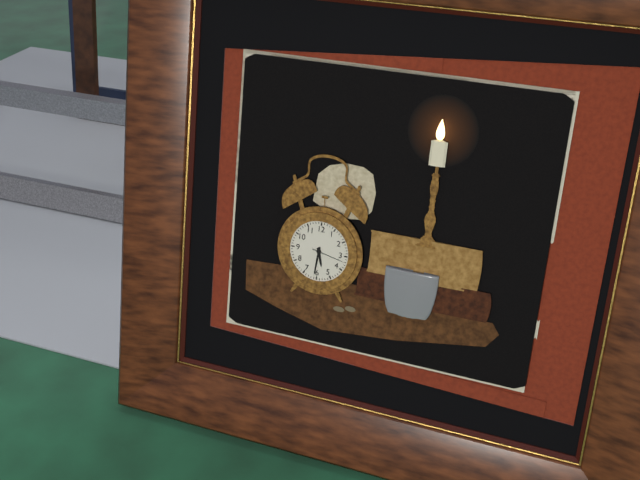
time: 5:31
